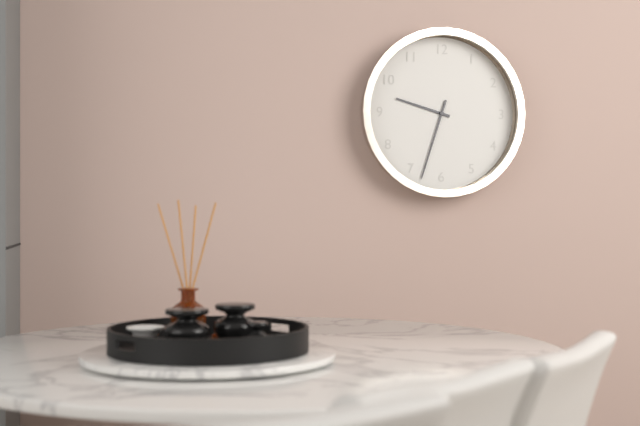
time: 9:33
